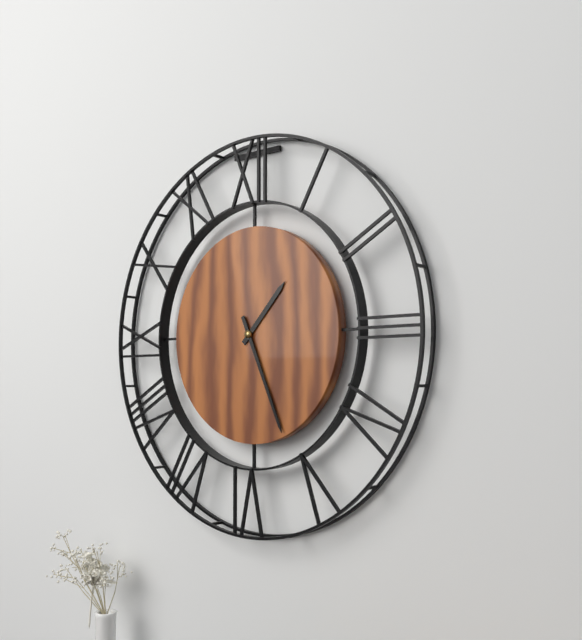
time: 1:26
